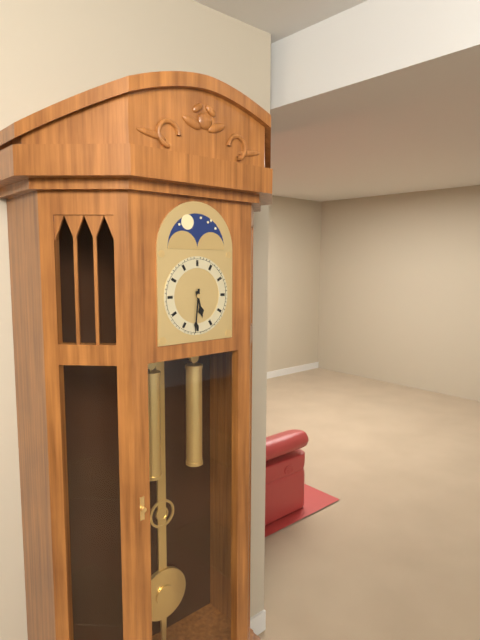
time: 5:31
